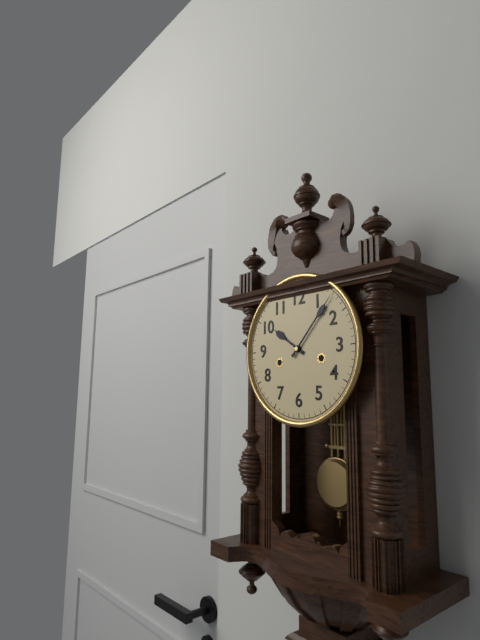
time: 10:07
